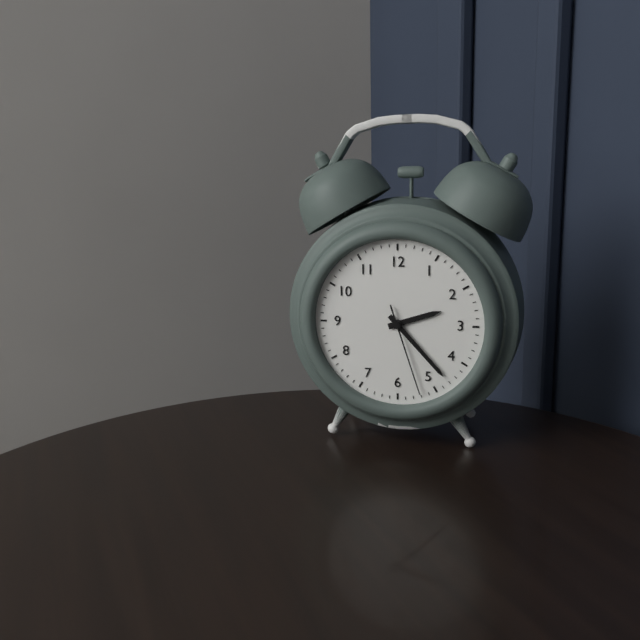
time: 2:23:27
